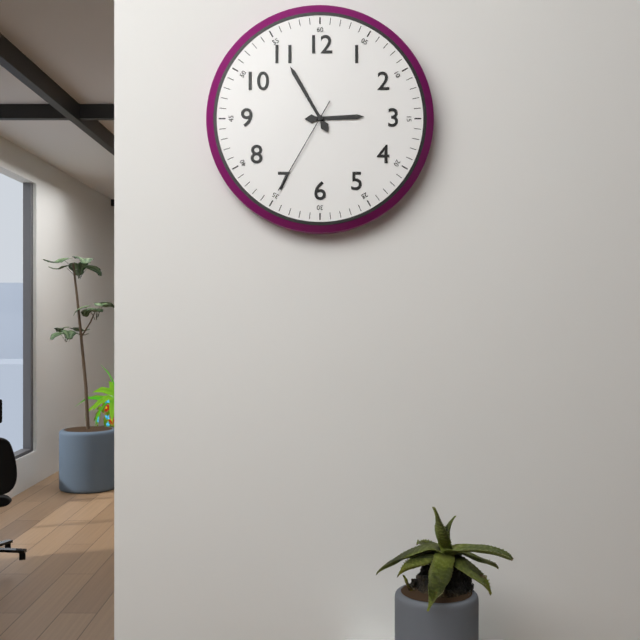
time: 2:55:35
